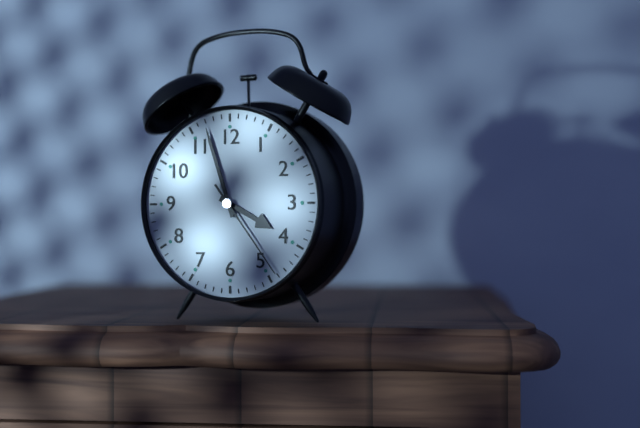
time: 3:57:24
